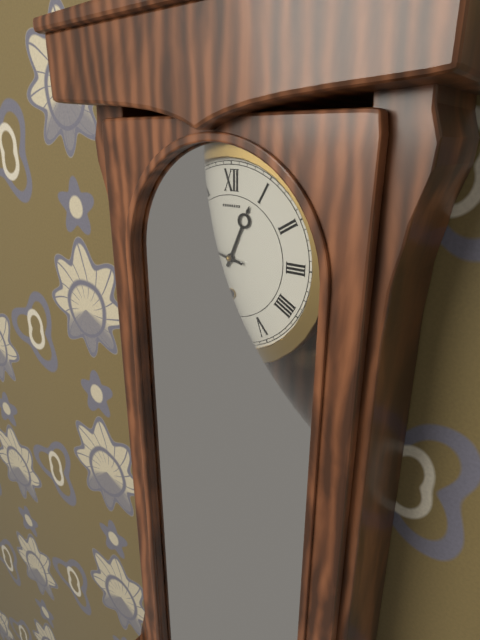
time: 12:47
